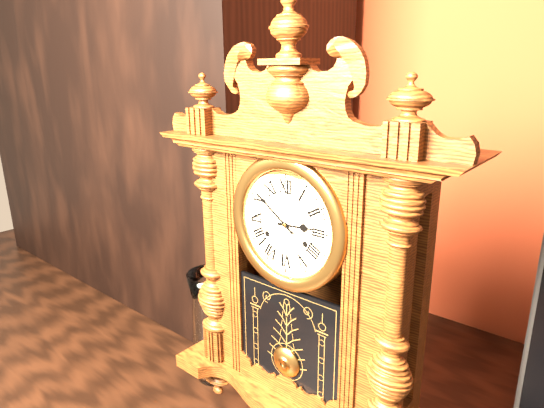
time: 2:51
